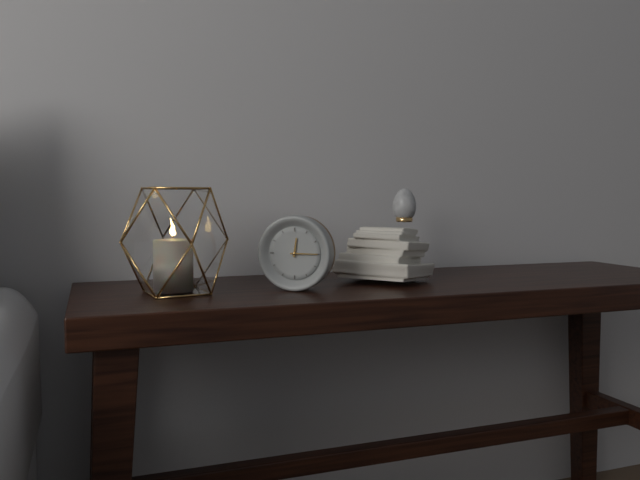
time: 12:15
